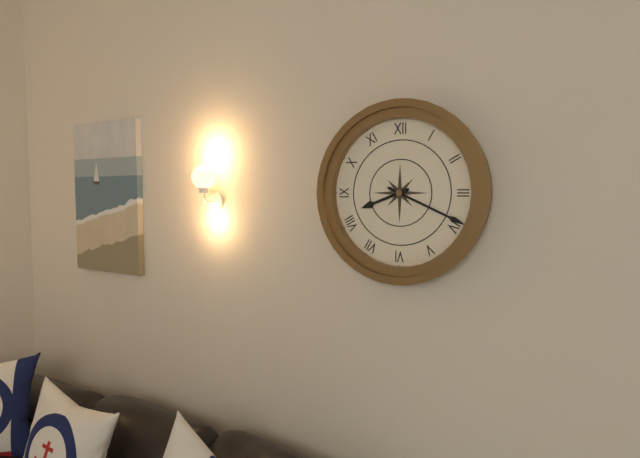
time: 8:19
